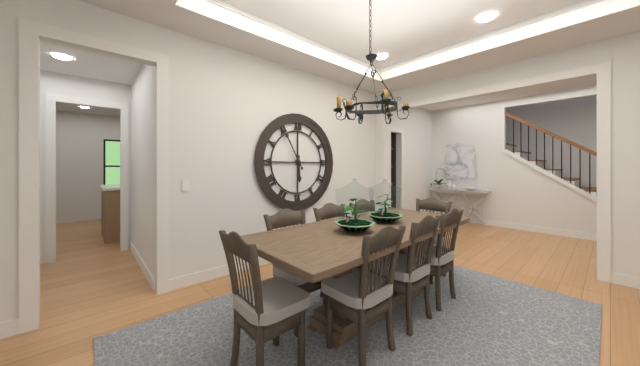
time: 5:55
